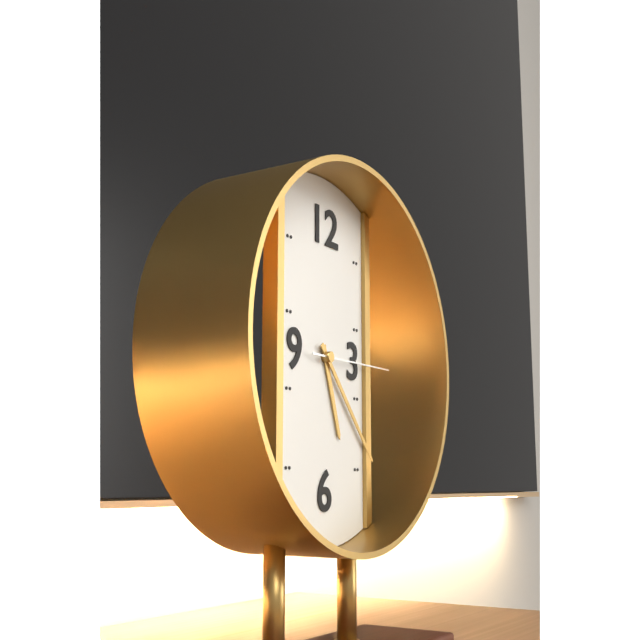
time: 5:23:15
